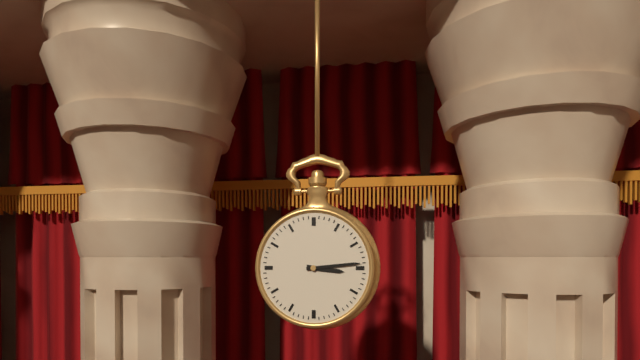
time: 3:14
